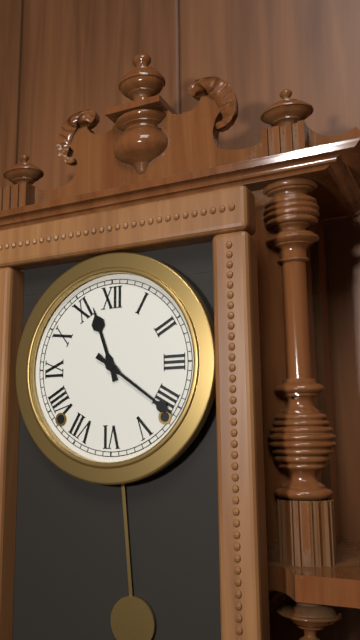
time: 11:21
